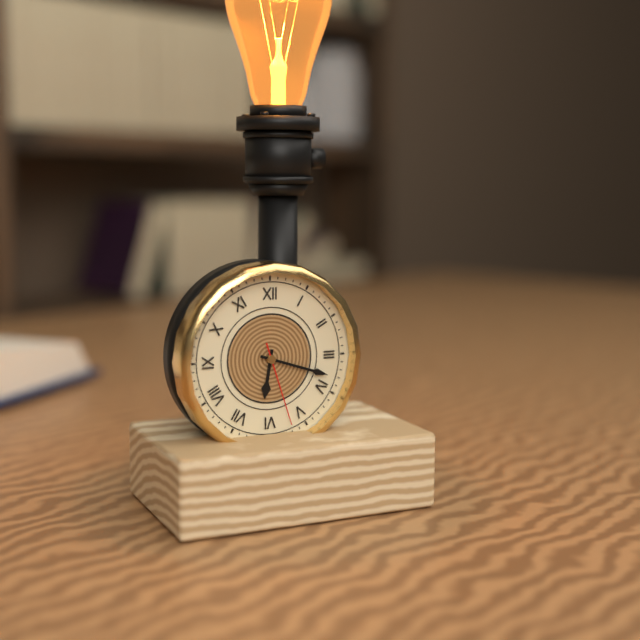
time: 6:18:27
